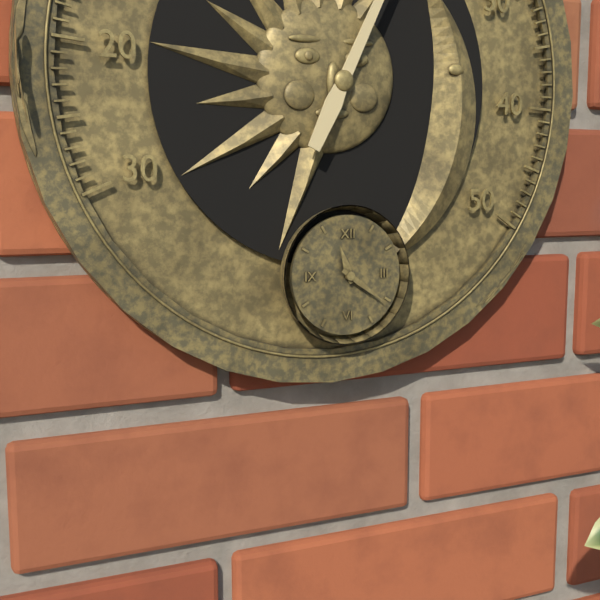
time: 11:21
